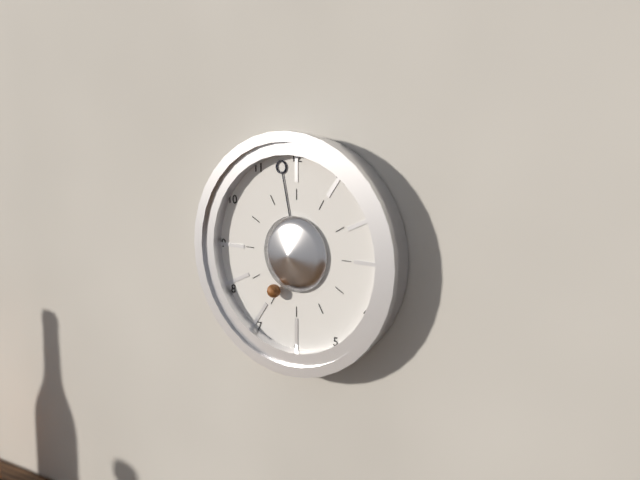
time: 6:58
